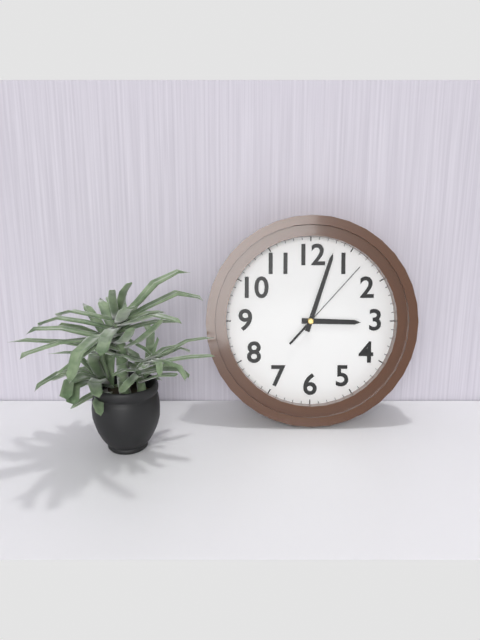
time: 3:03:07
